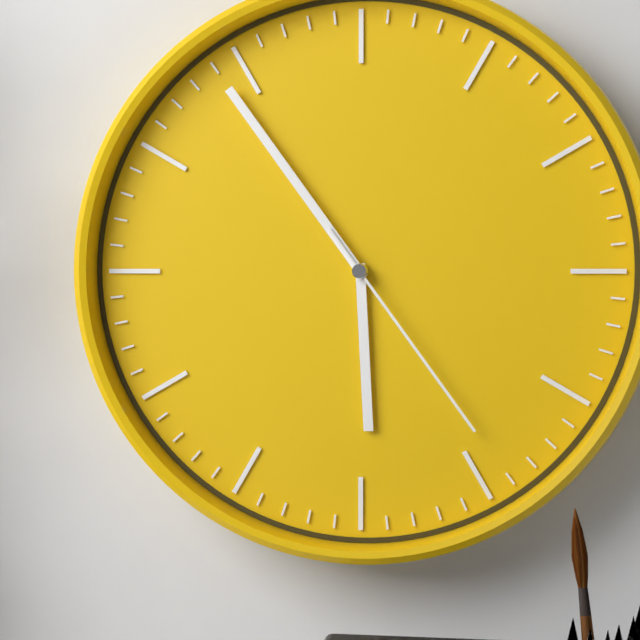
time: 5:54:24
